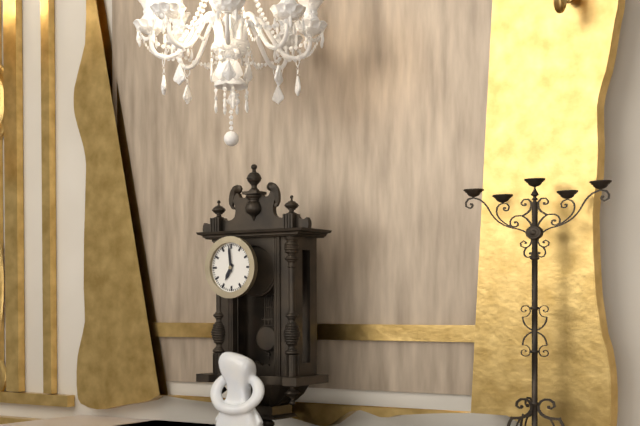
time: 6:59
